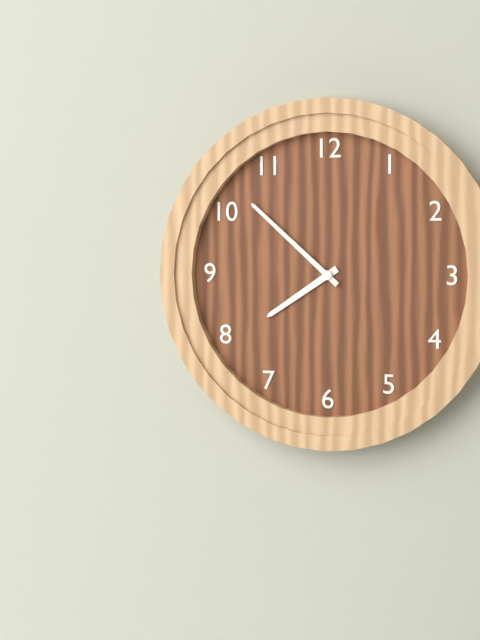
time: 7:52
